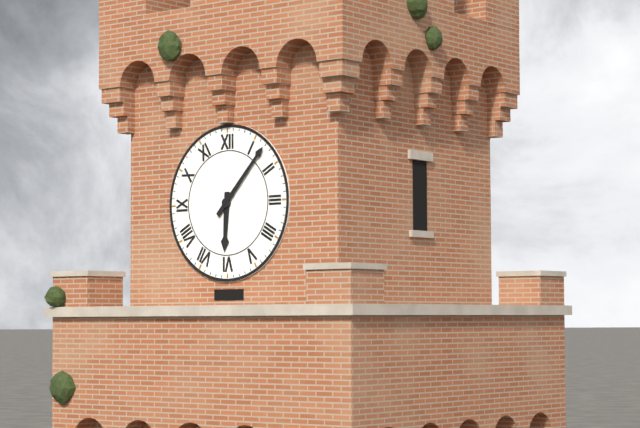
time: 6:07
